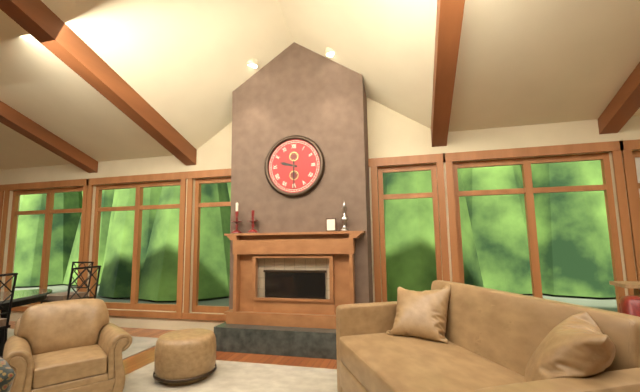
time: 9:30
